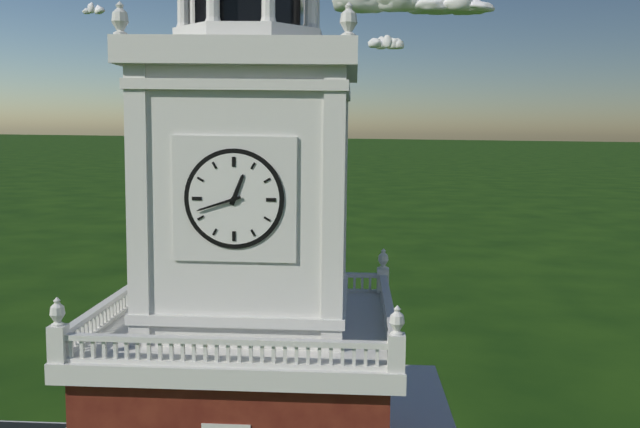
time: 12:42
